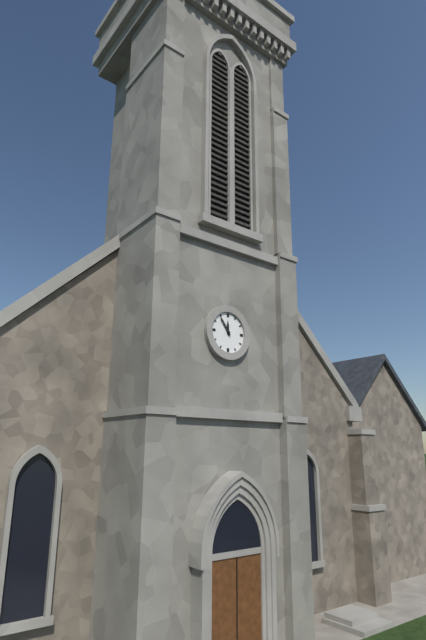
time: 11:54
